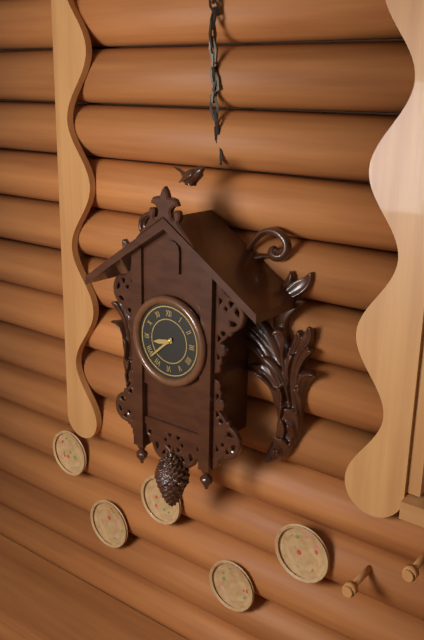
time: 8:38
